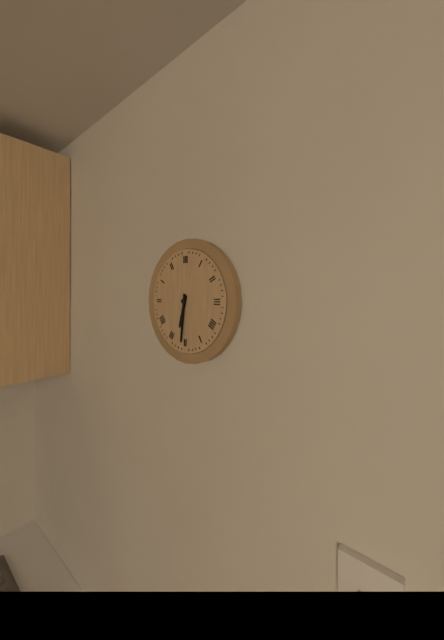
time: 6:31
